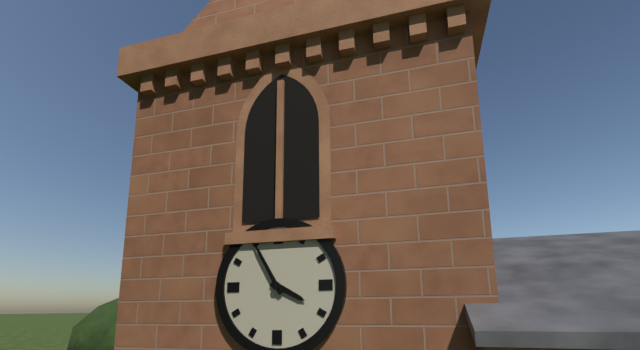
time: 3:55
